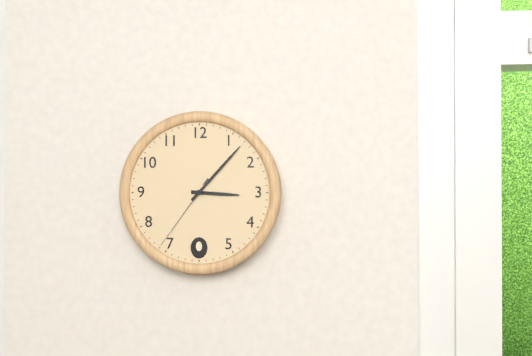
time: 3:07:36
